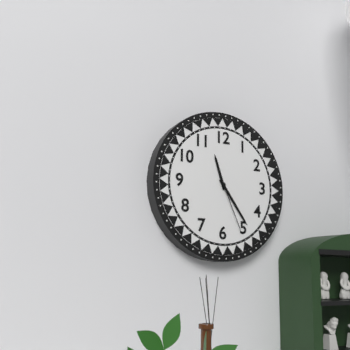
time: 11:24:26
